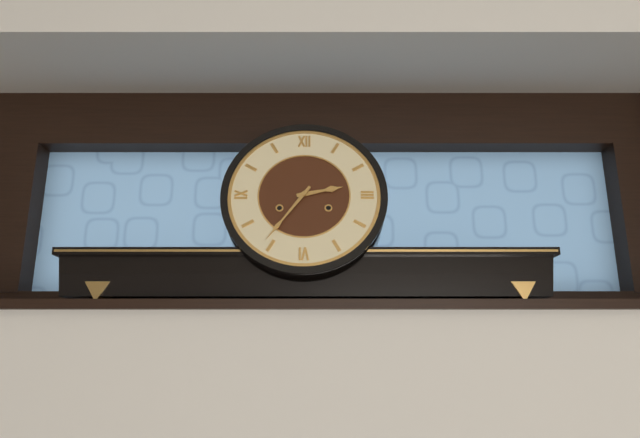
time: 2:36
